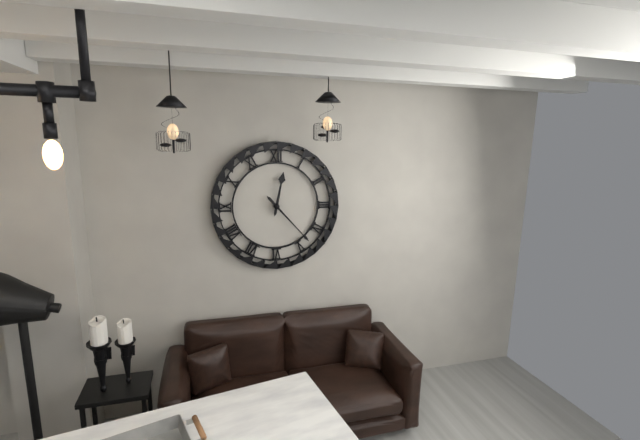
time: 12:23
